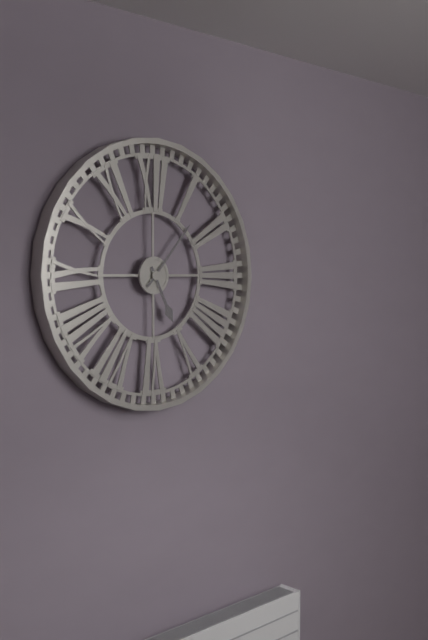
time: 5:07
